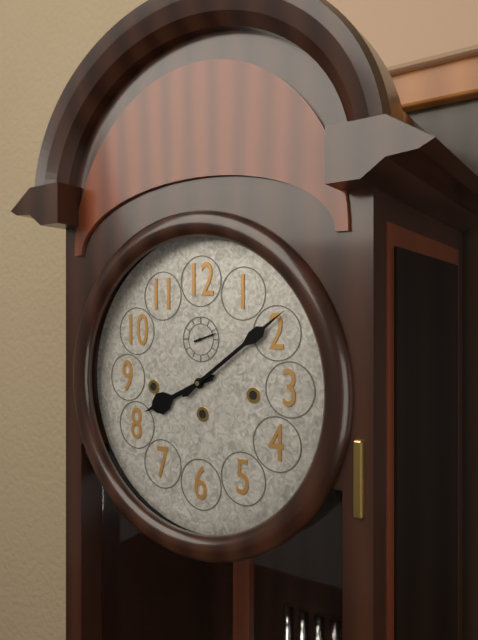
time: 8:09
